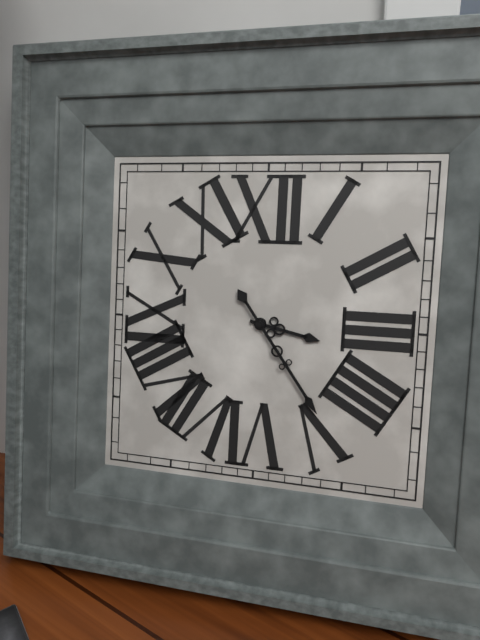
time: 3:24
